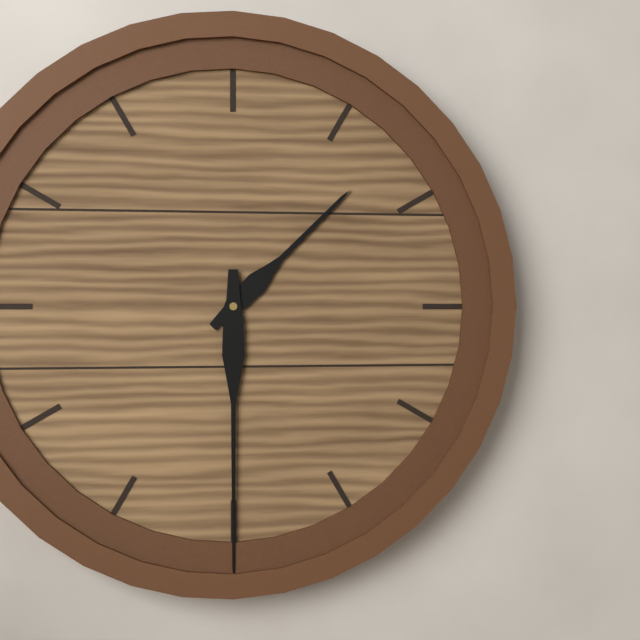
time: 1:30
